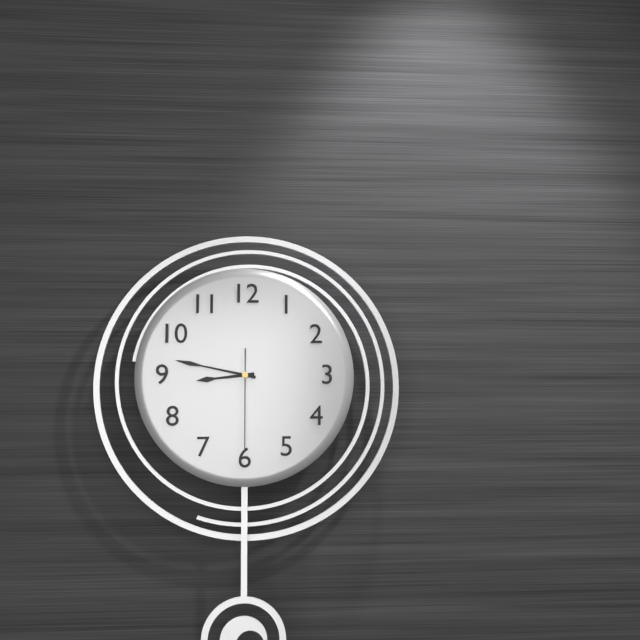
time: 8:47:30
